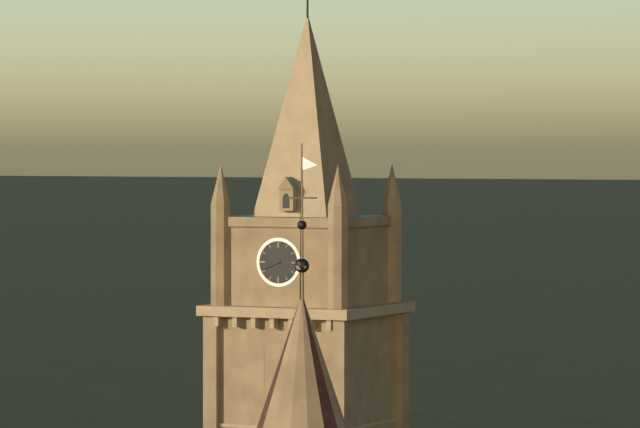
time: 8:41
